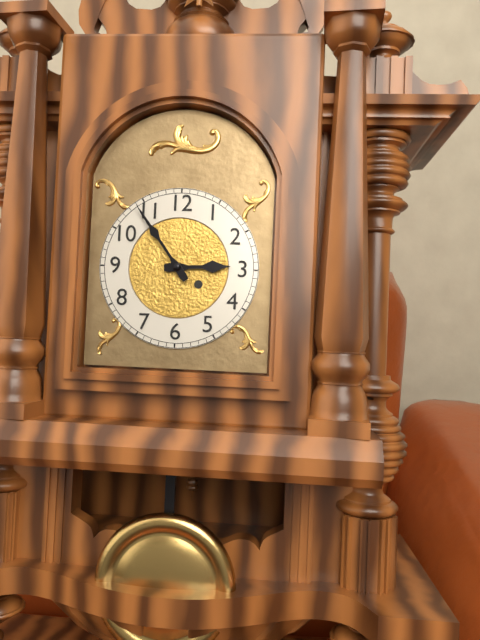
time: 2:54
